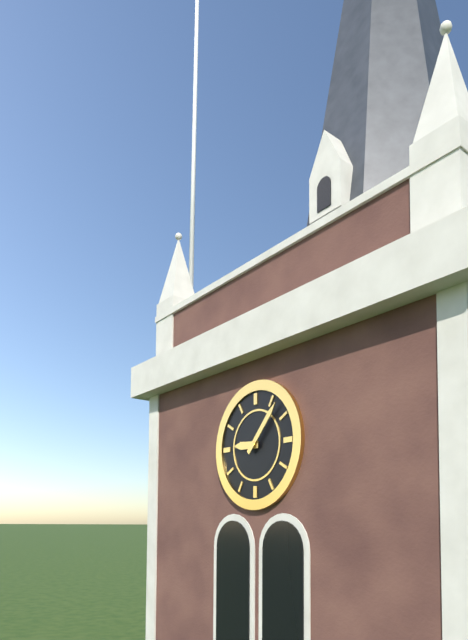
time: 9:07
